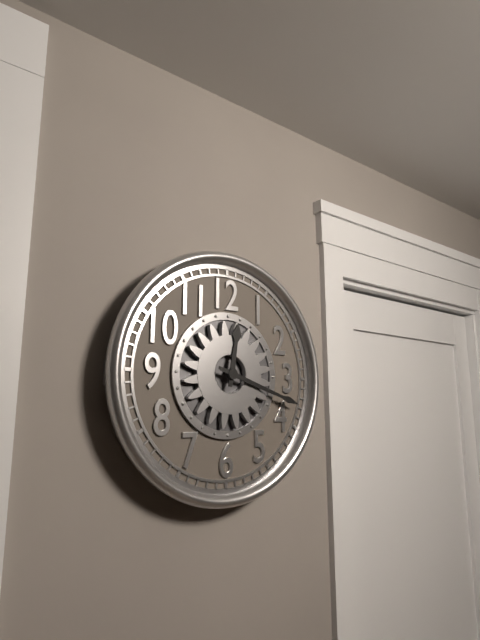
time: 12:18
